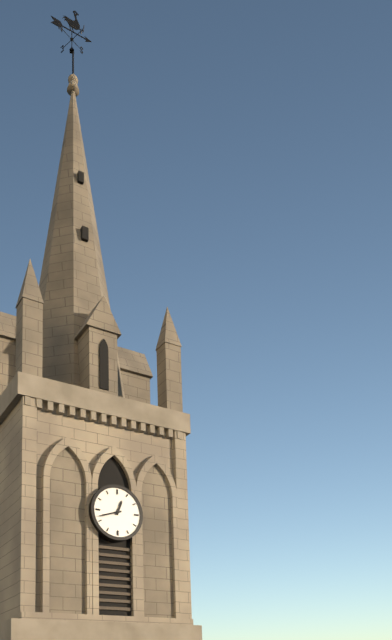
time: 12:42
